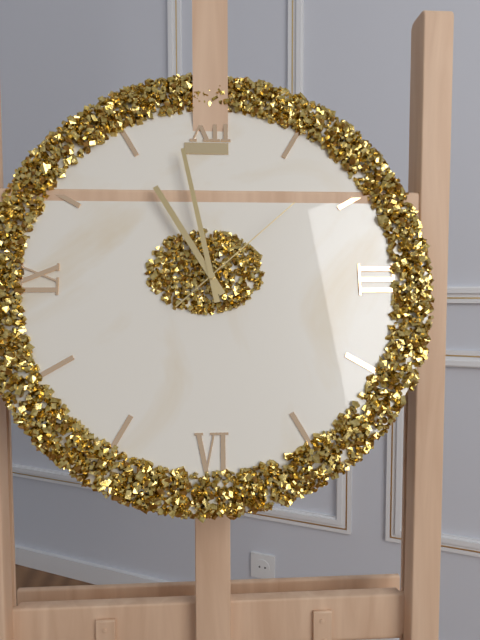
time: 10:58:08
